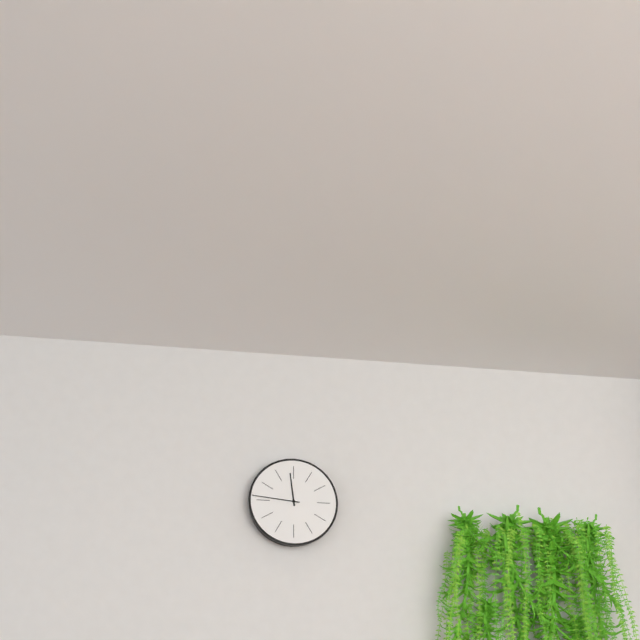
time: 11:46
